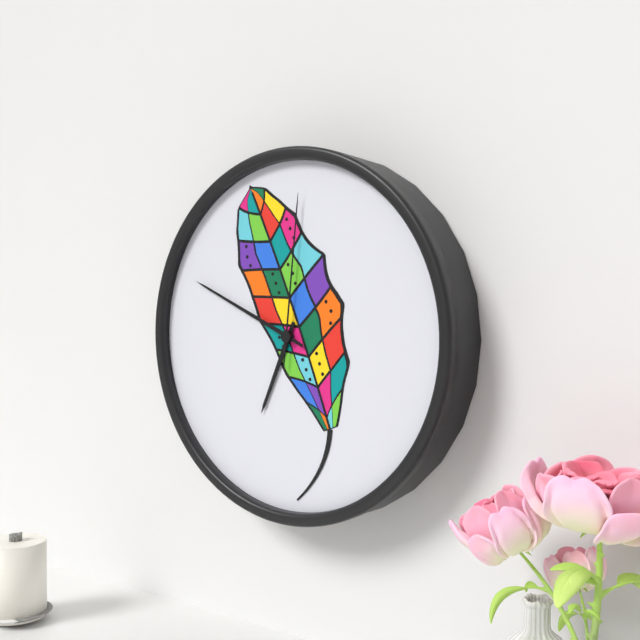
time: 6:49:01
